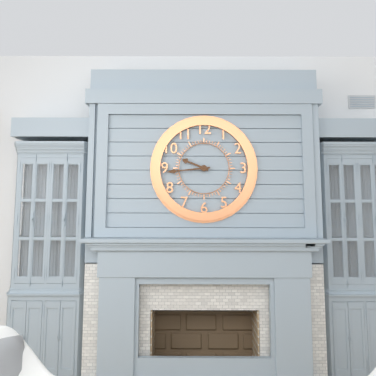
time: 9:44
